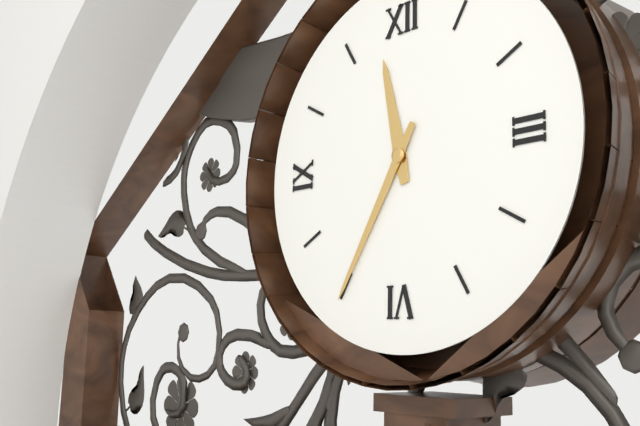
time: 11:35
